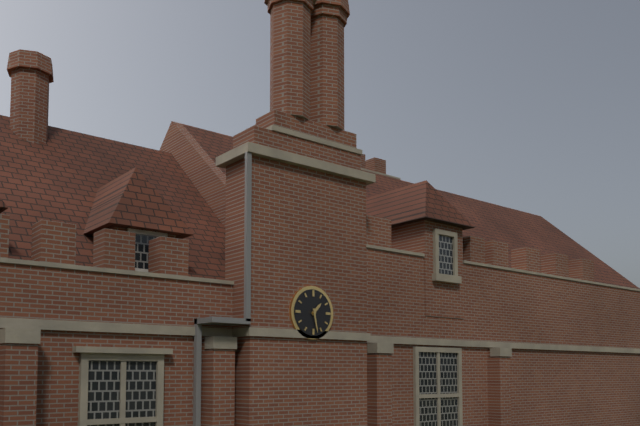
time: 1:28
